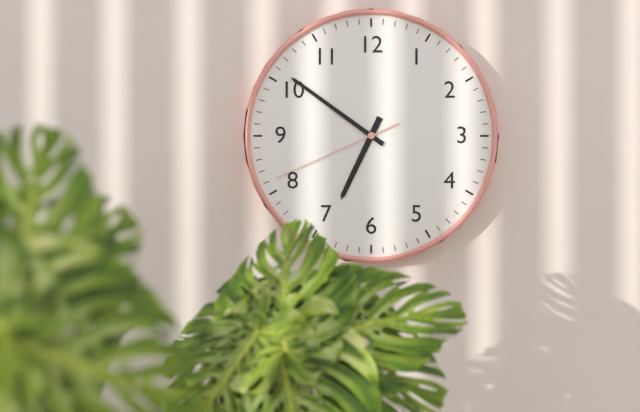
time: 6:51:41
